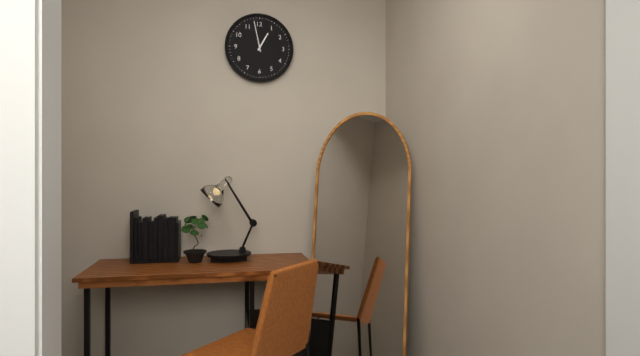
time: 12:58
